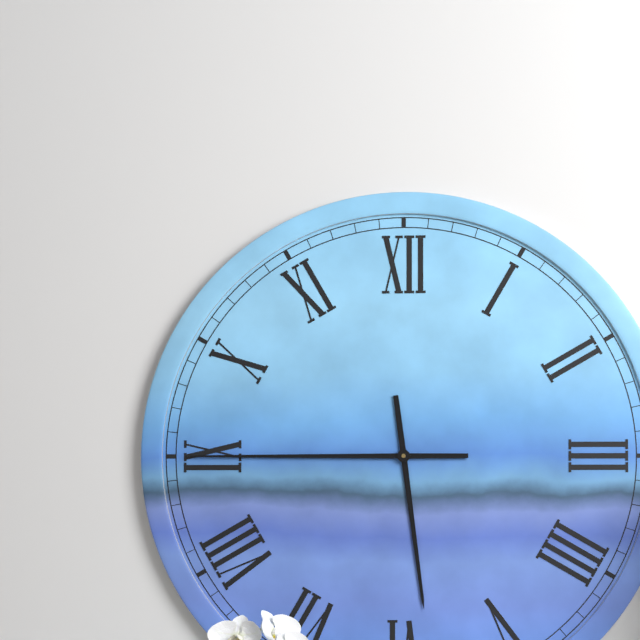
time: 5:45
